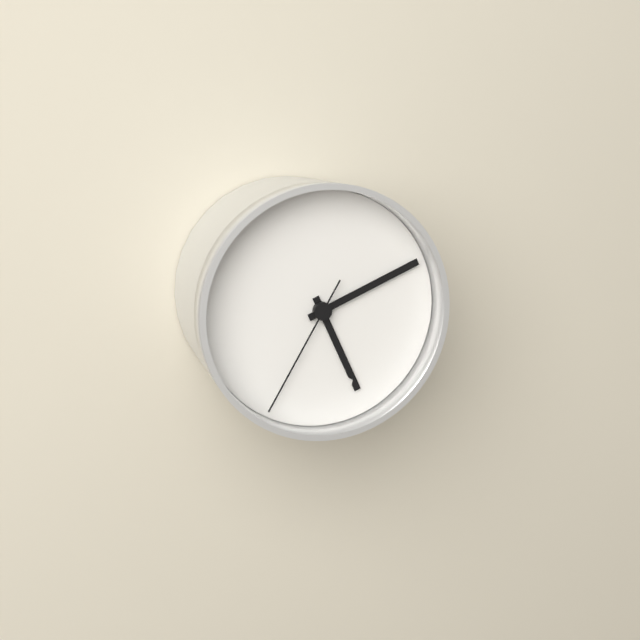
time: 5:11:35
